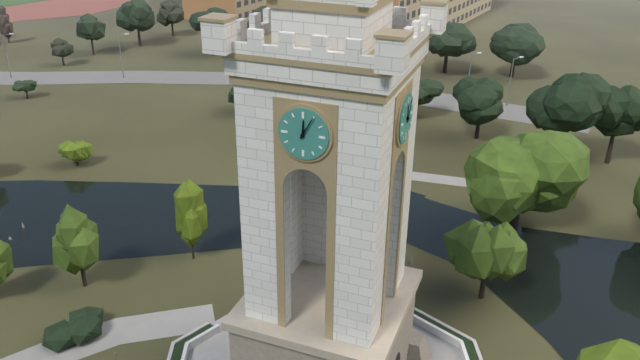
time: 12:05
